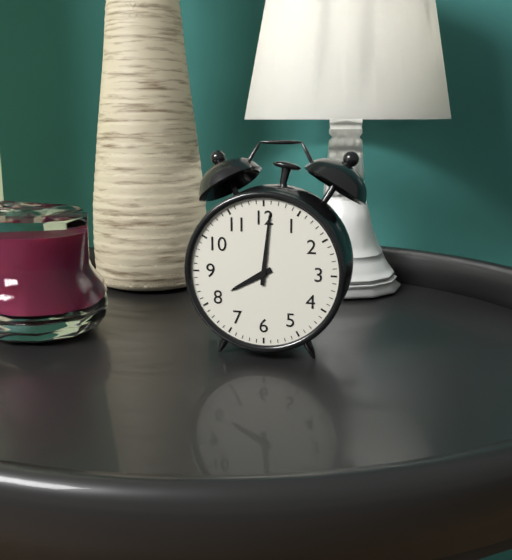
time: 8:01
